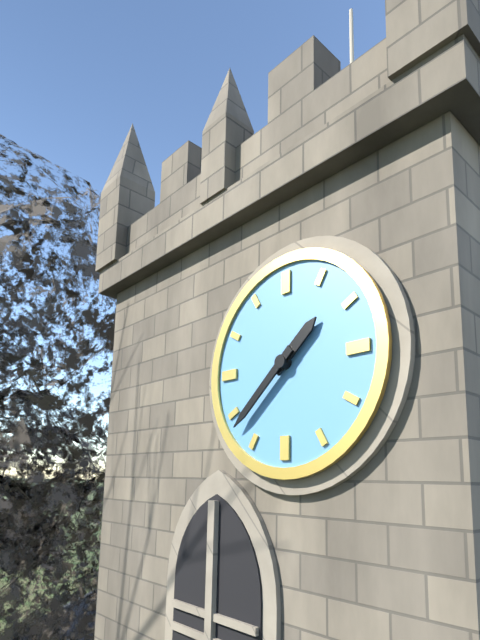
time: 1:38
